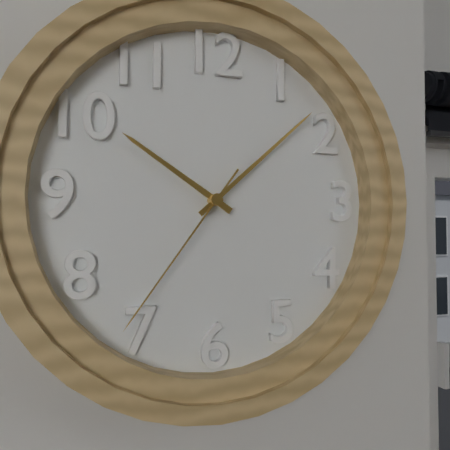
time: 10:08:36
